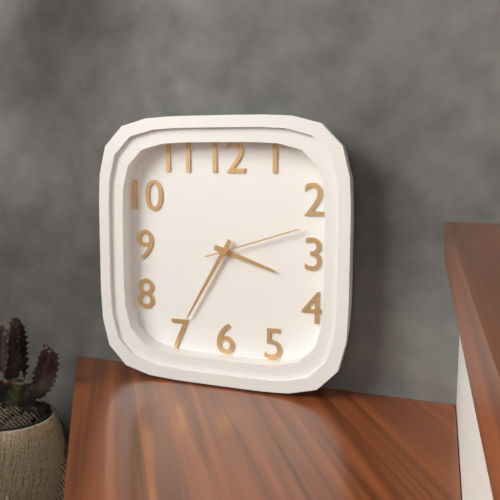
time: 3:35:12
